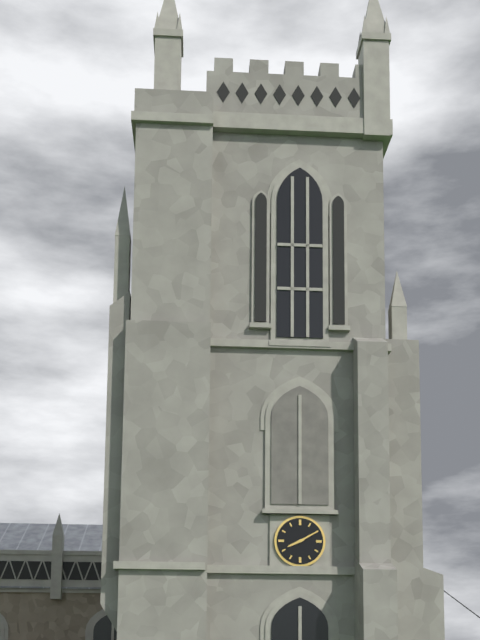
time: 8:10
